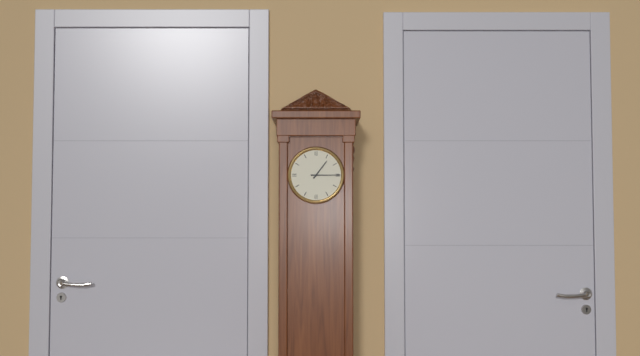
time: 1:15
